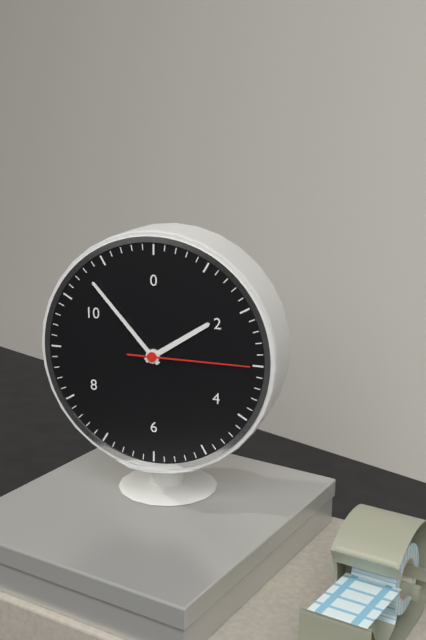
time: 1:53:15
